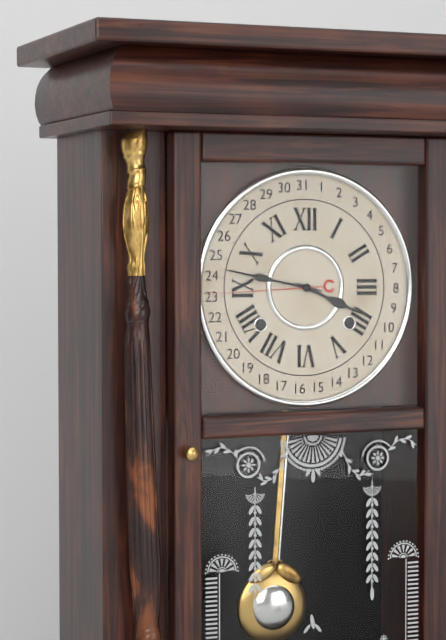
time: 3:47
